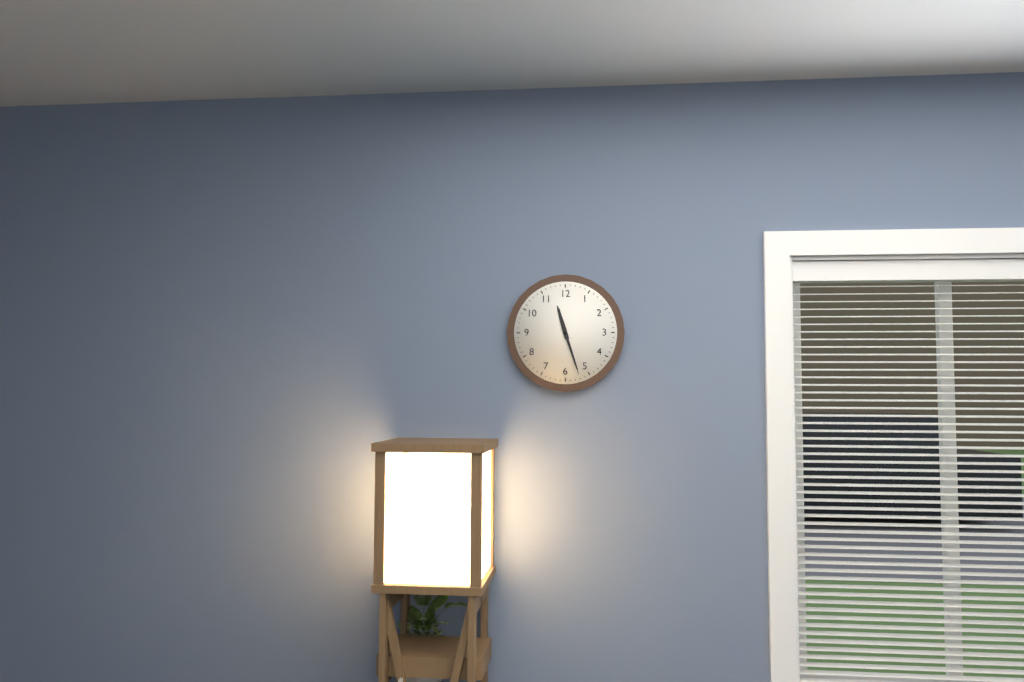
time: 11:27
